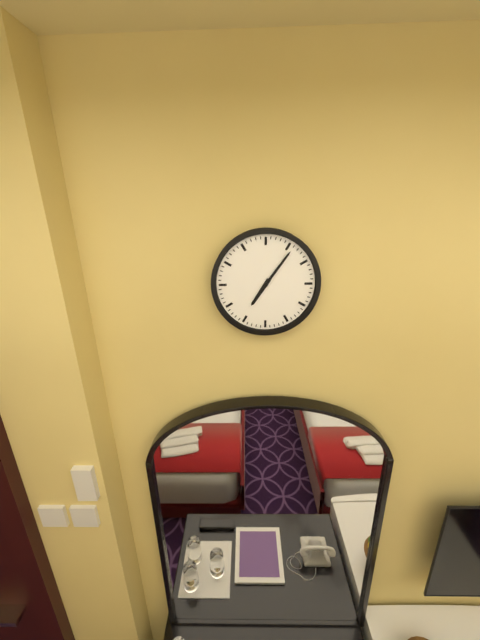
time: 7:06
